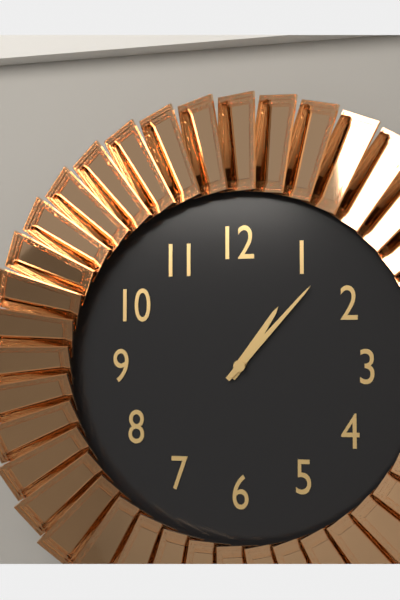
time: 1:07
